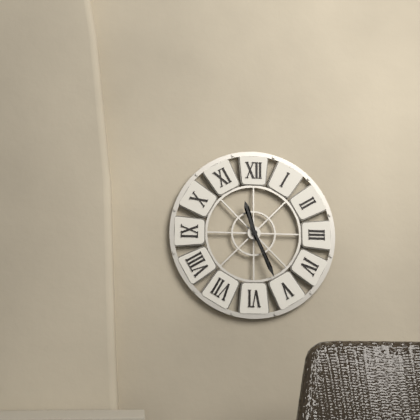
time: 11:26
